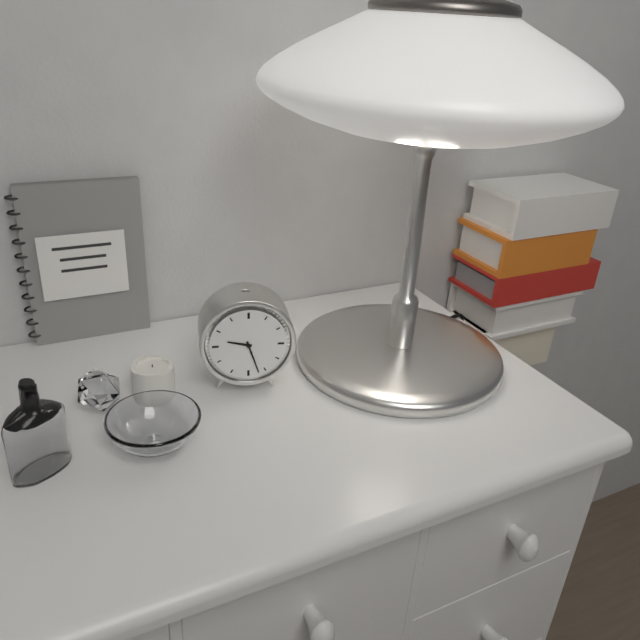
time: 9:27
